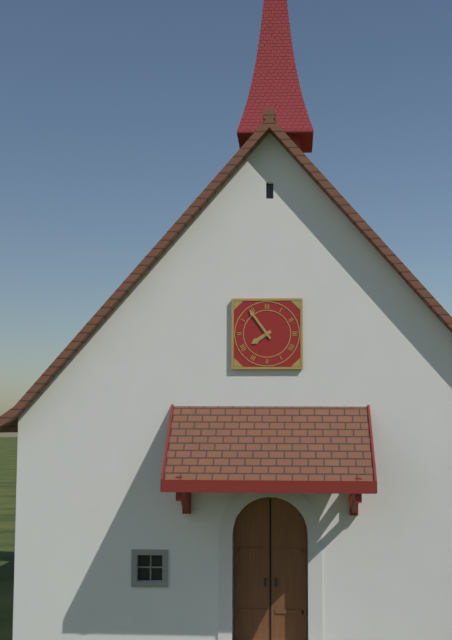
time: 7:54
